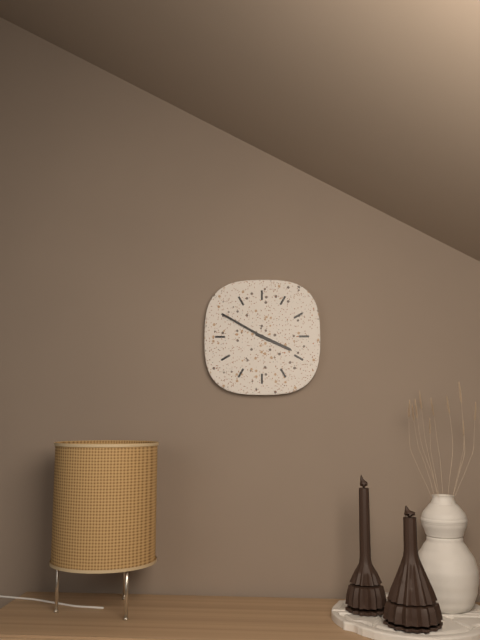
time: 3:50
